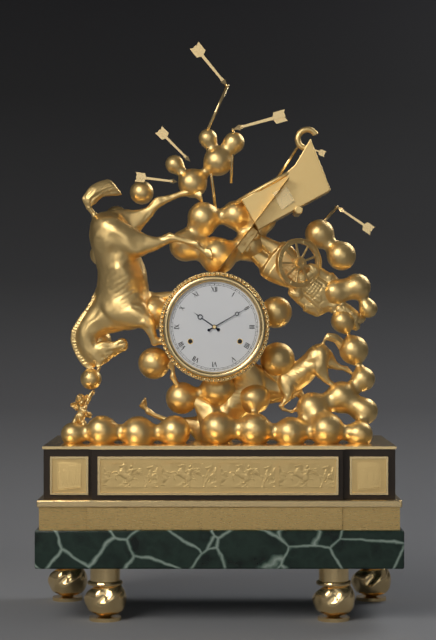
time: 10:10
